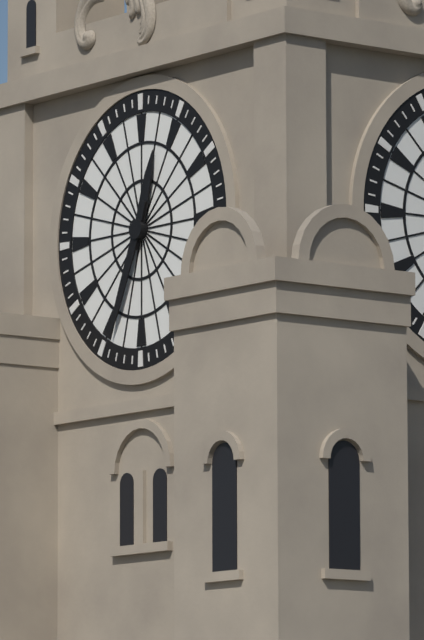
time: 12:34
